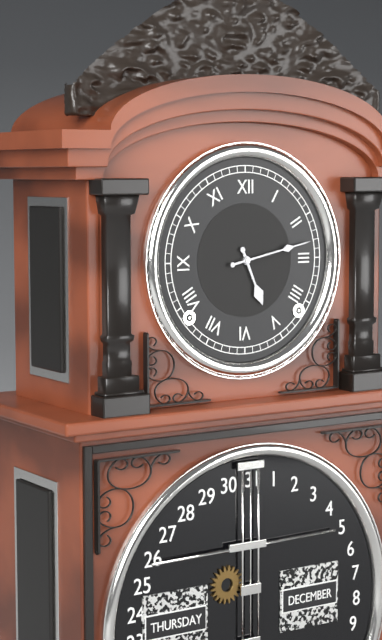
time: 5:13
